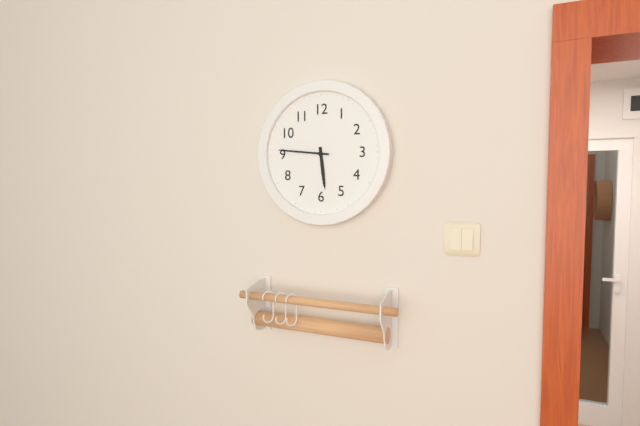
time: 5:46
